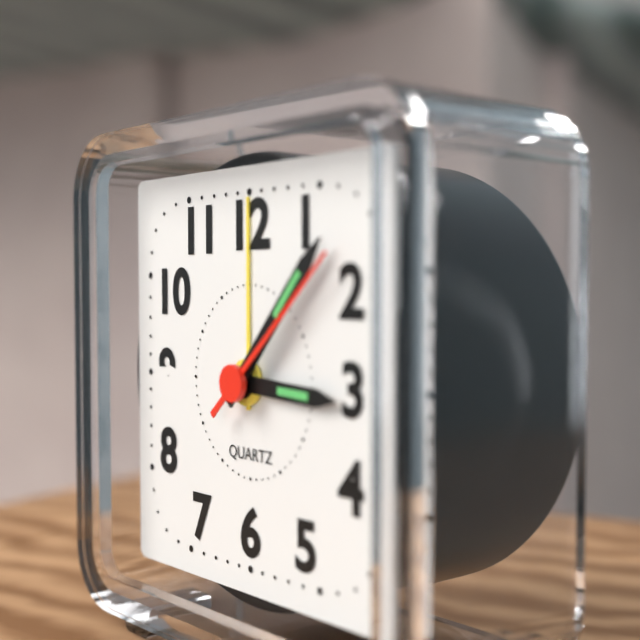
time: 3:07:08
